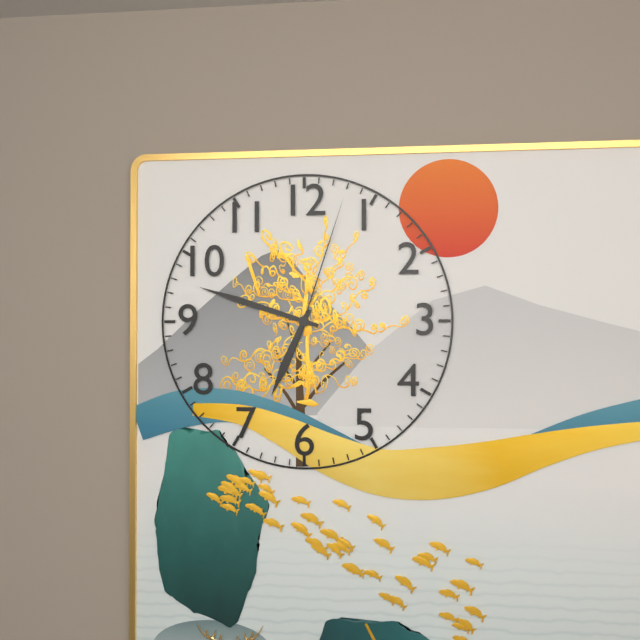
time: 6:48:03
